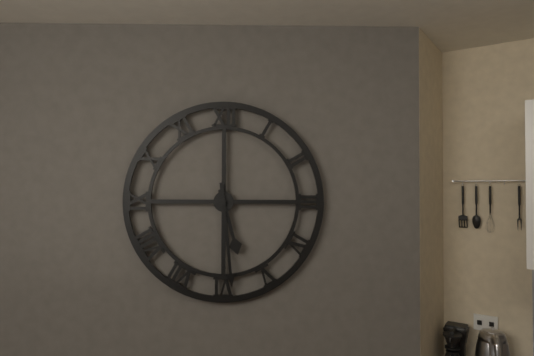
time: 5:29
